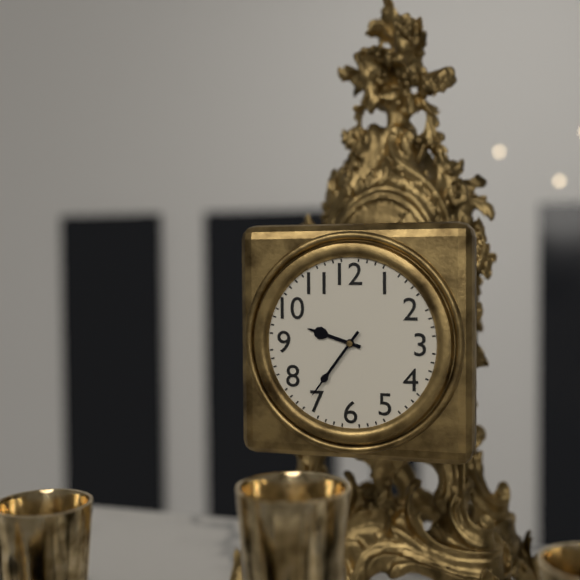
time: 9:36
